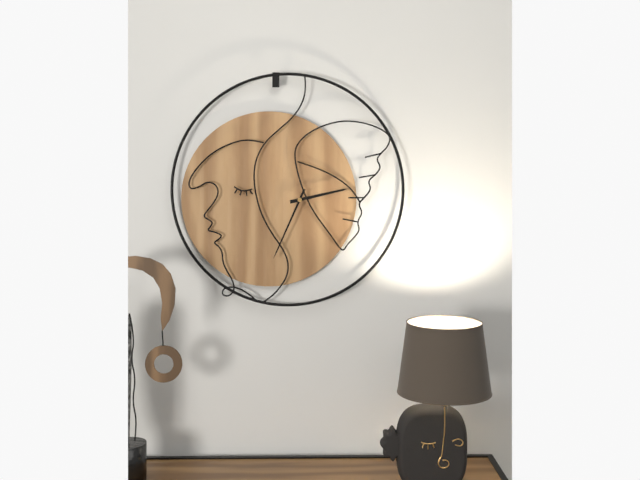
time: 2:34
